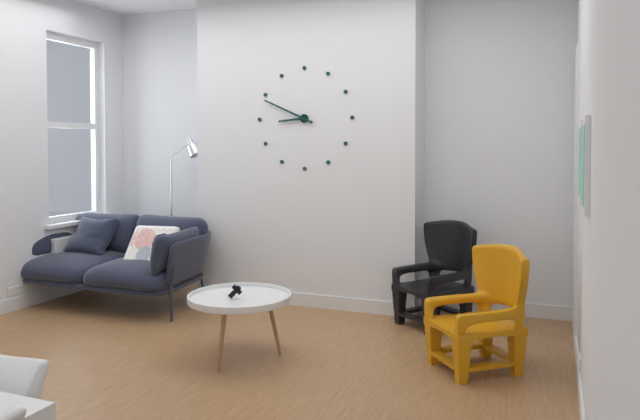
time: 8:49
